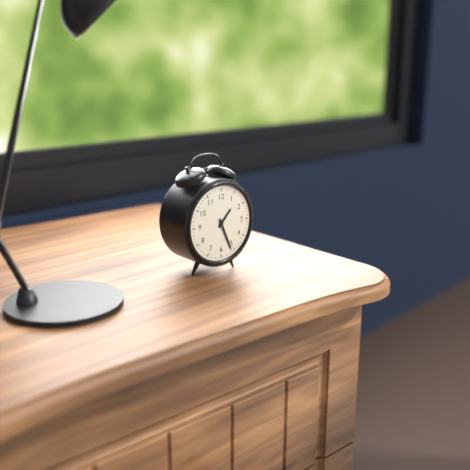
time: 1:26
